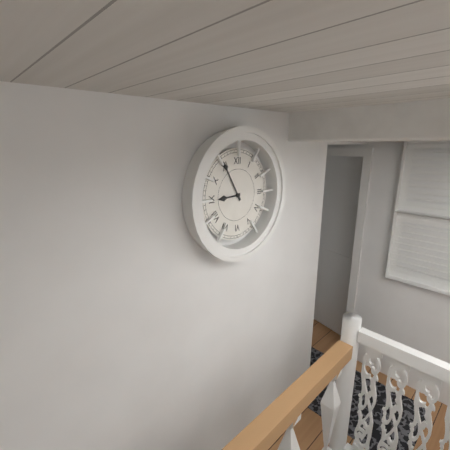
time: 8:55
